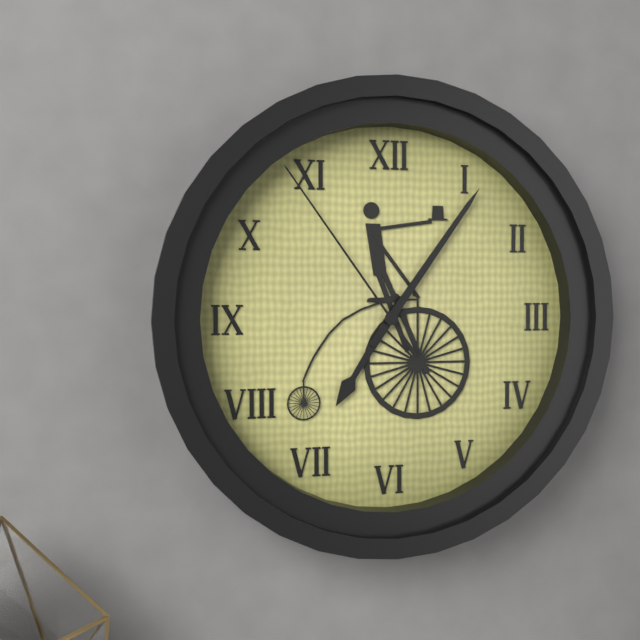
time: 7:06:54
